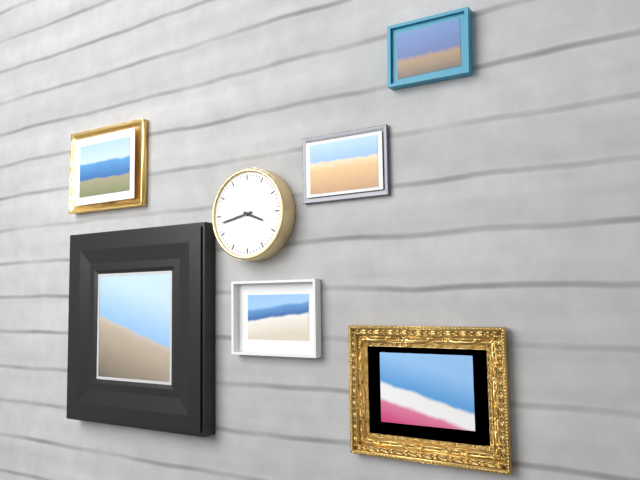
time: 3:43
